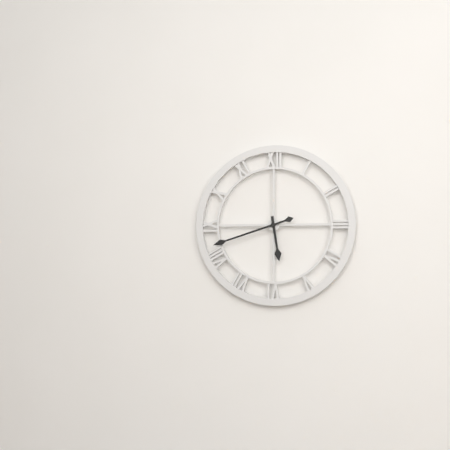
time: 5:42
